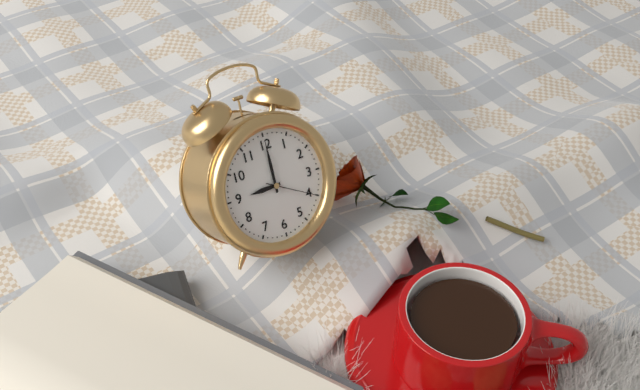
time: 9:00:20
